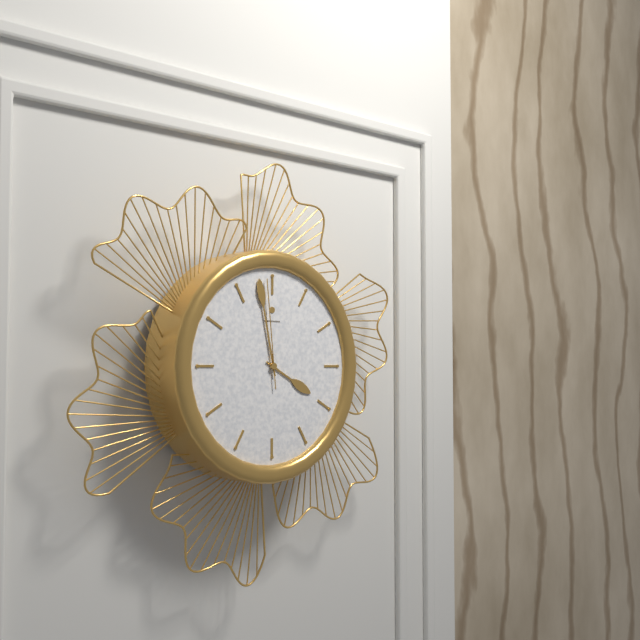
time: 3:58:59
